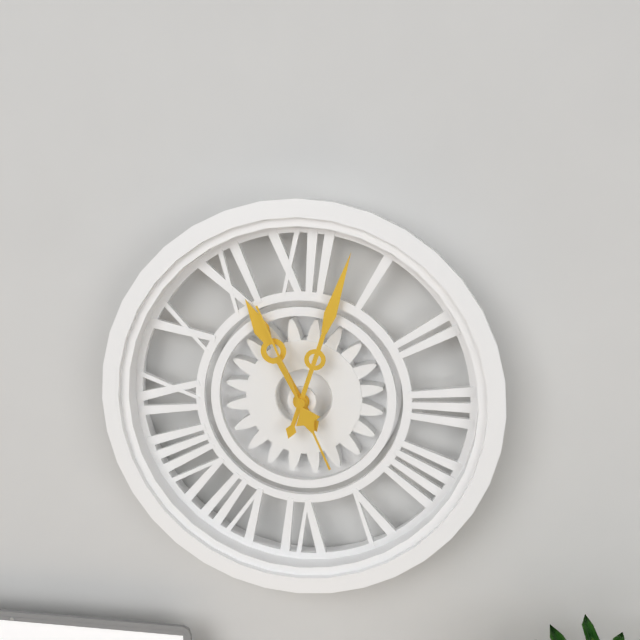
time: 11:03:56
